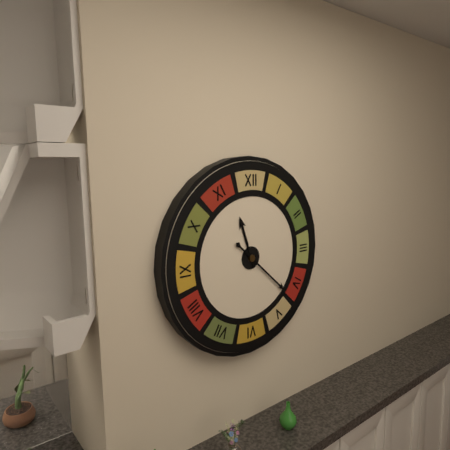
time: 11:22
